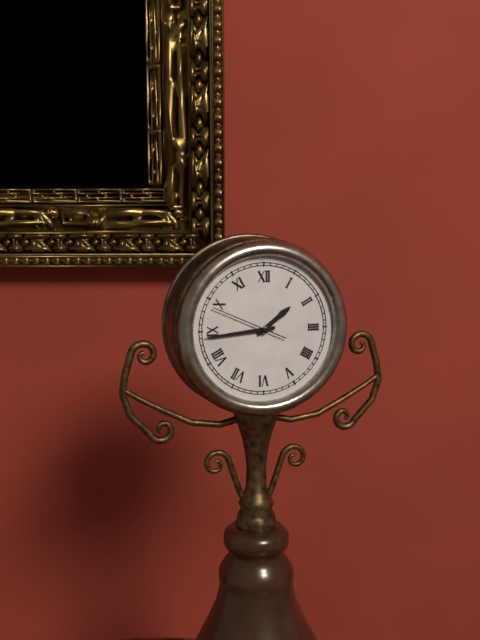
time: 1:44:49
